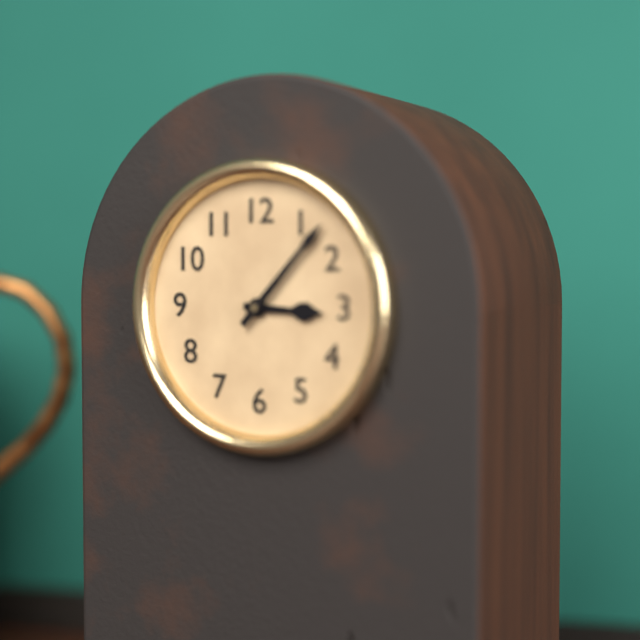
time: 3:07
